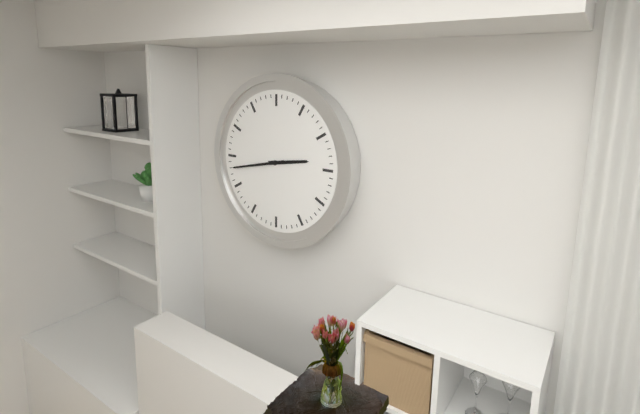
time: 2:43
